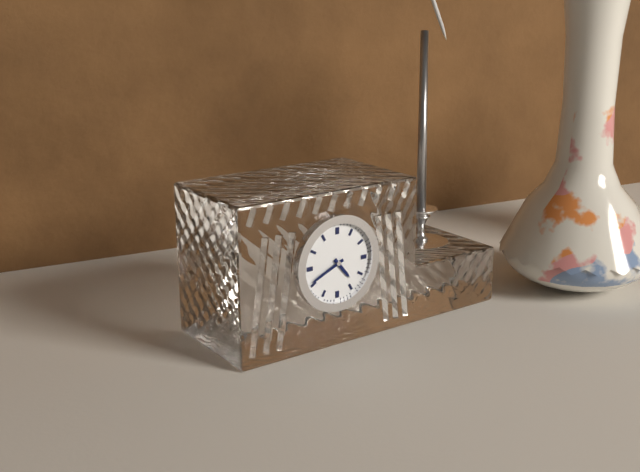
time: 4:41
